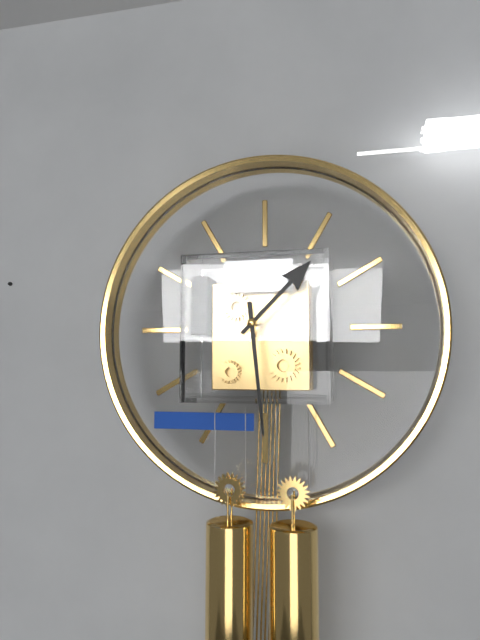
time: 1:29
